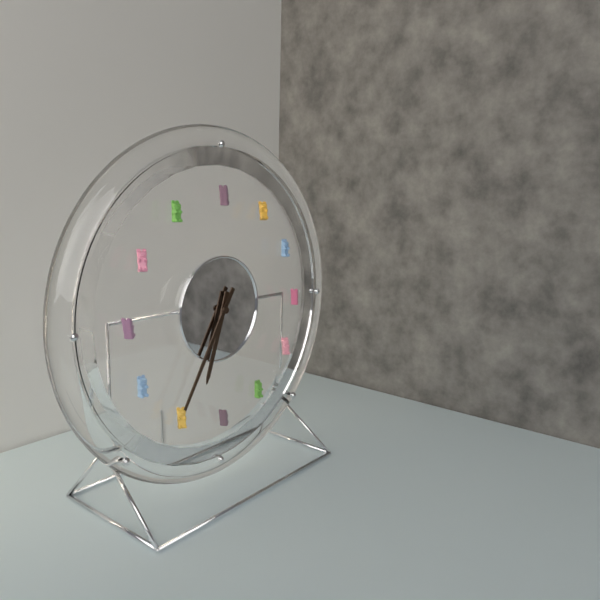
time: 6:35
